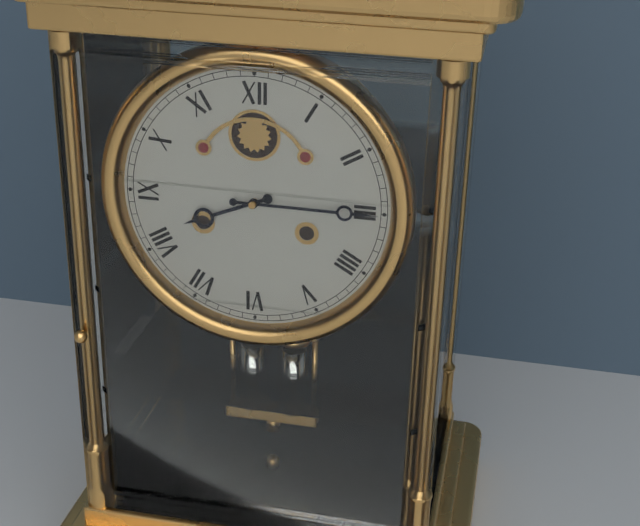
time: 8:15
